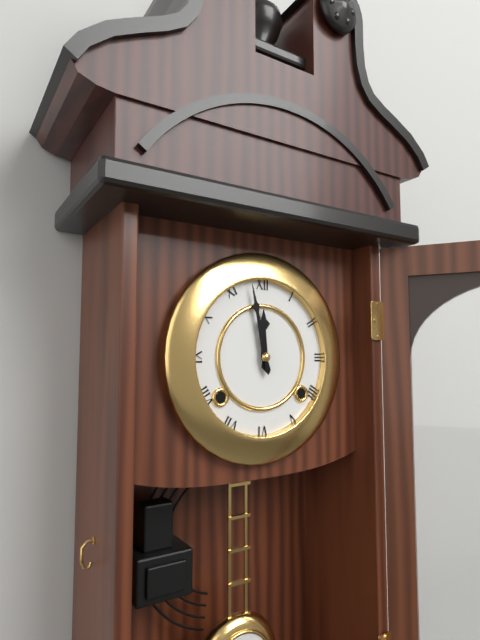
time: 11:58
